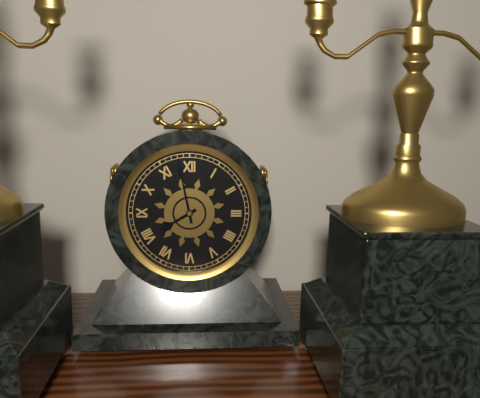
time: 7:58
